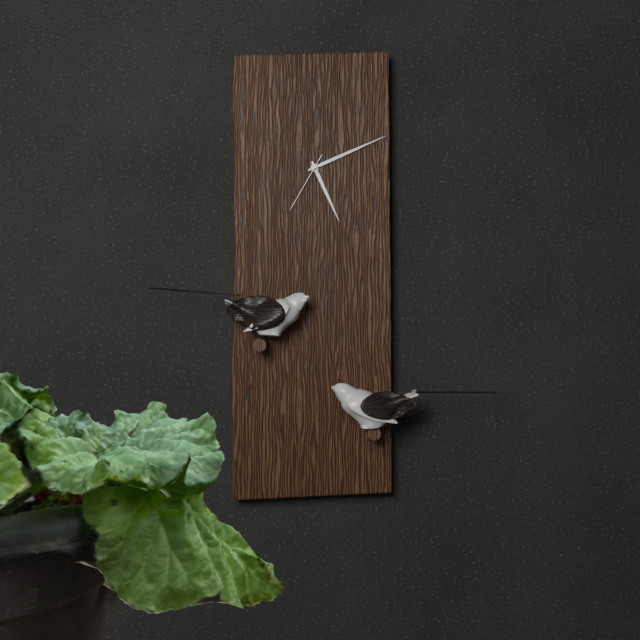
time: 5:11:35
